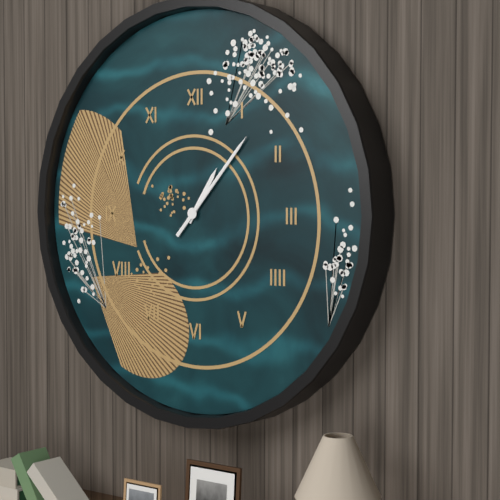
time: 1:07
